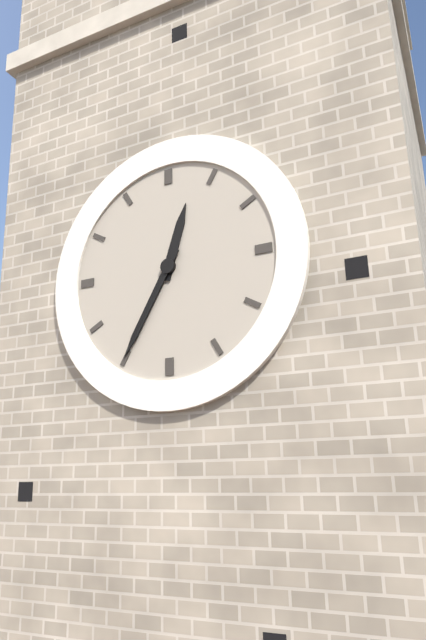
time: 12:35
